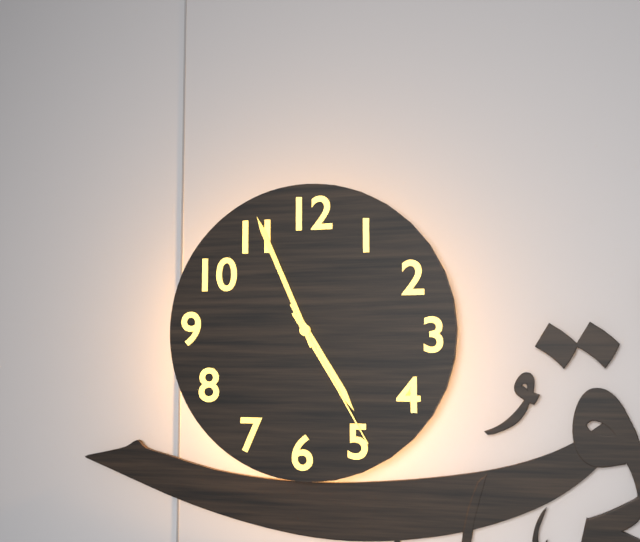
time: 4:56:25
